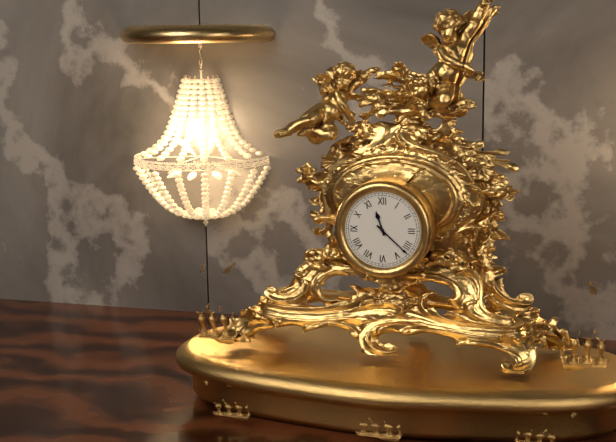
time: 11:22
